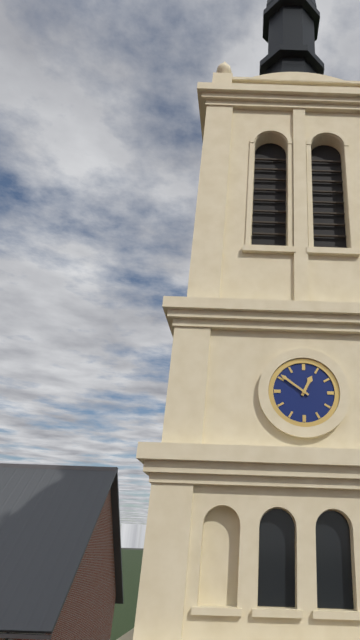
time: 12:51
